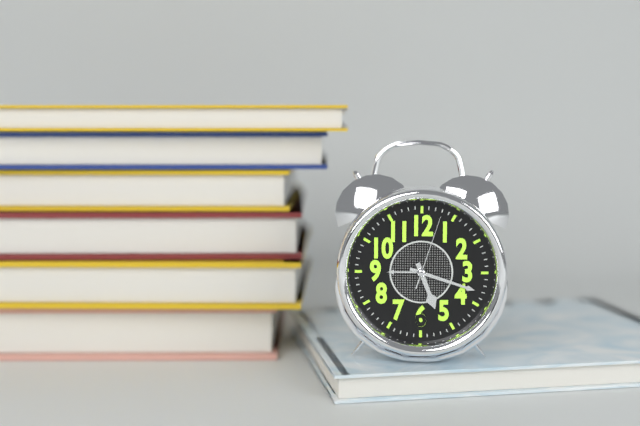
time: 5:18:03
